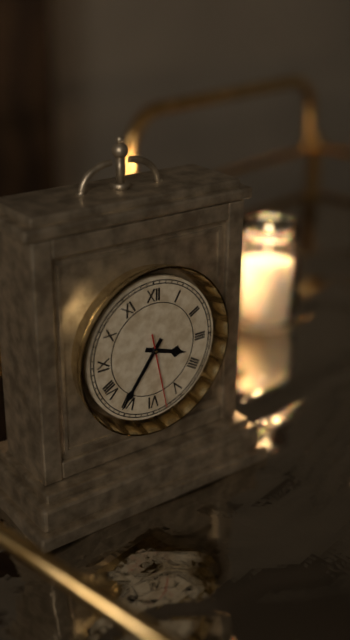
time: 3:36:28
